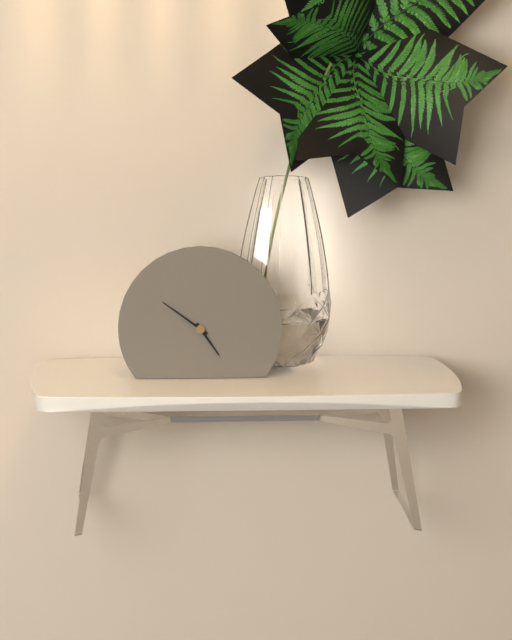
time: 4:51
